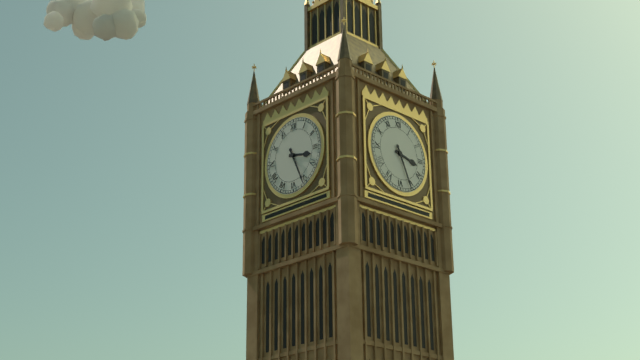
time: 3:26
